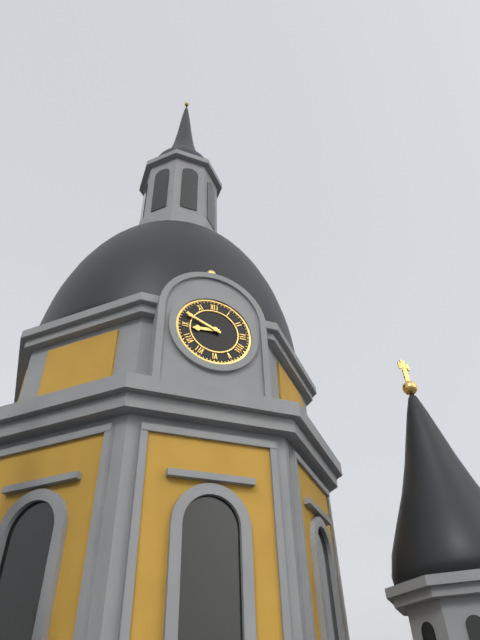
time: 8:49
